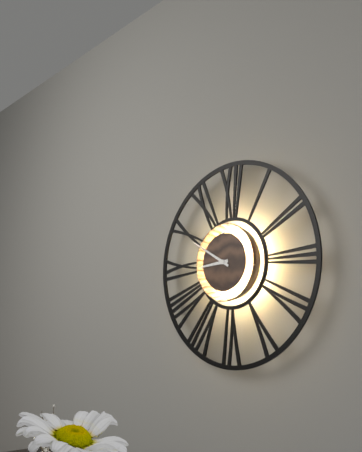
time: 8:50
